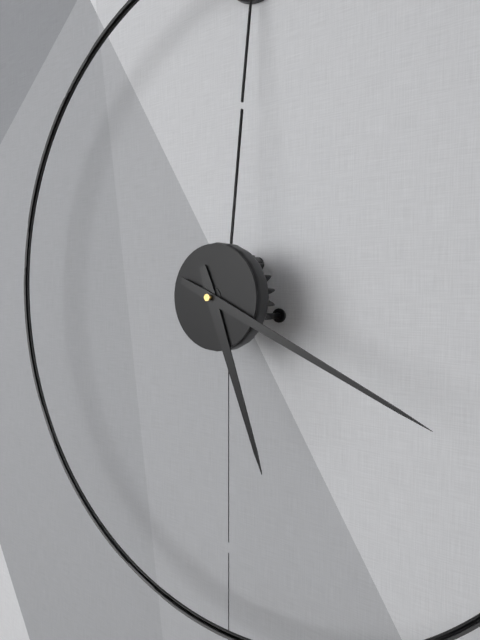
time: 5:19
